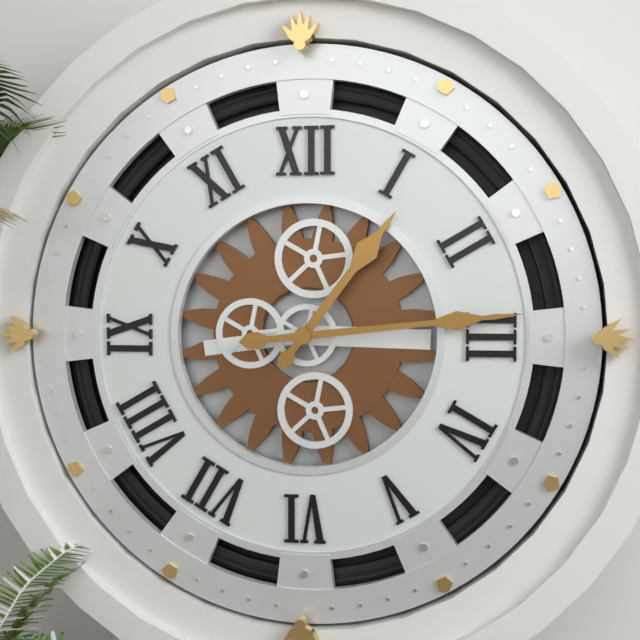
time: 1:14
